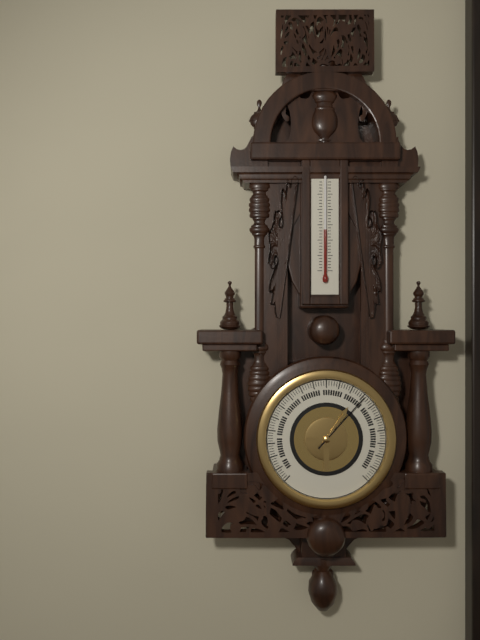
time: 1:07
